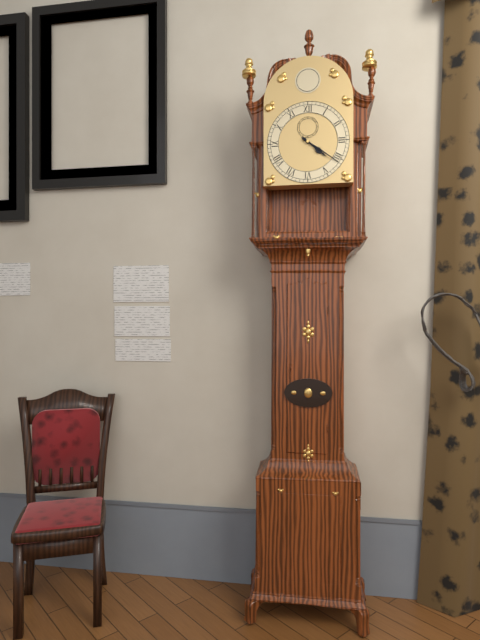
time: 4:21
